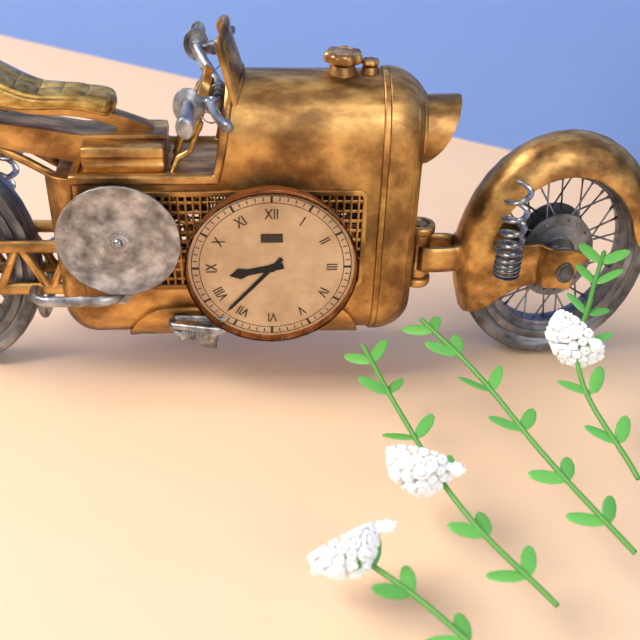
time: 8:37
